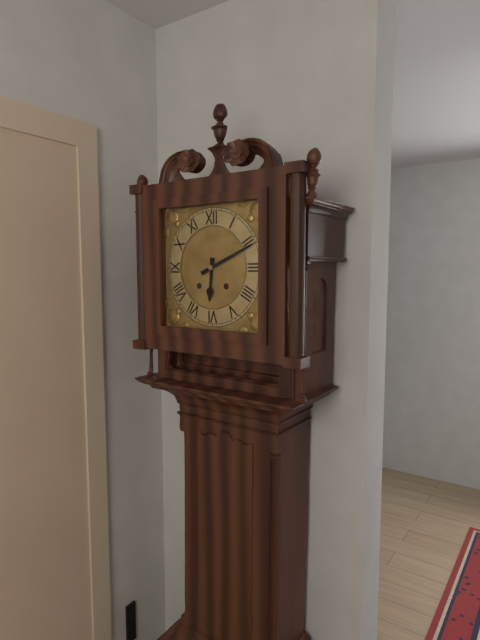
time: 6:11
